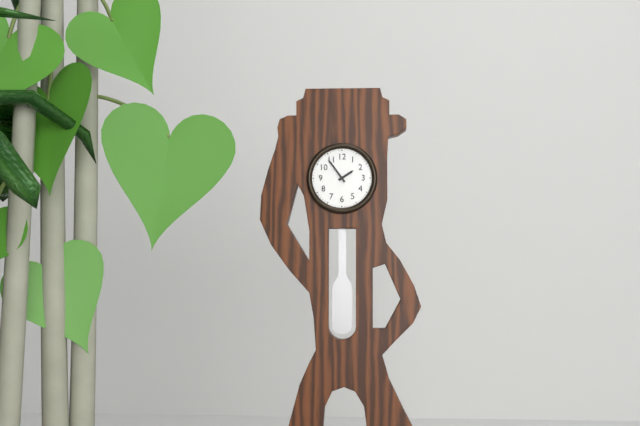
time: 1:54
